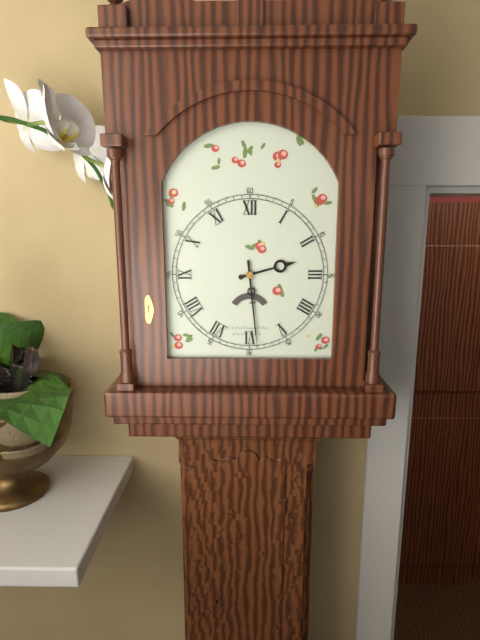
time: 2:29
